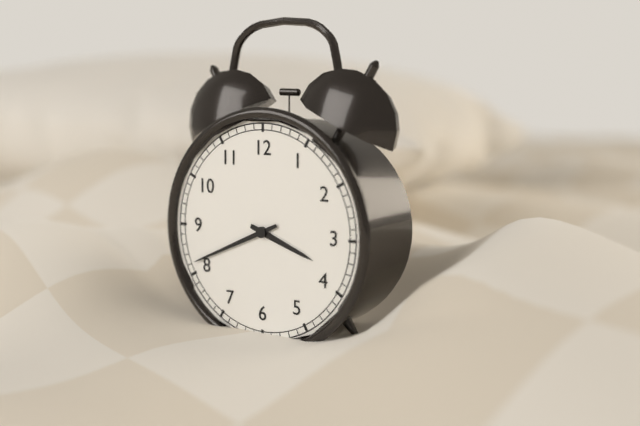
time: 3:41
